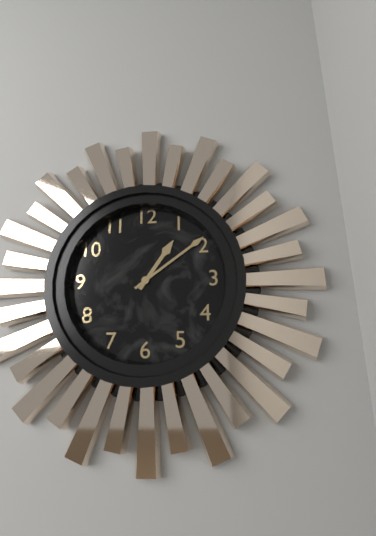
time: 1:09
